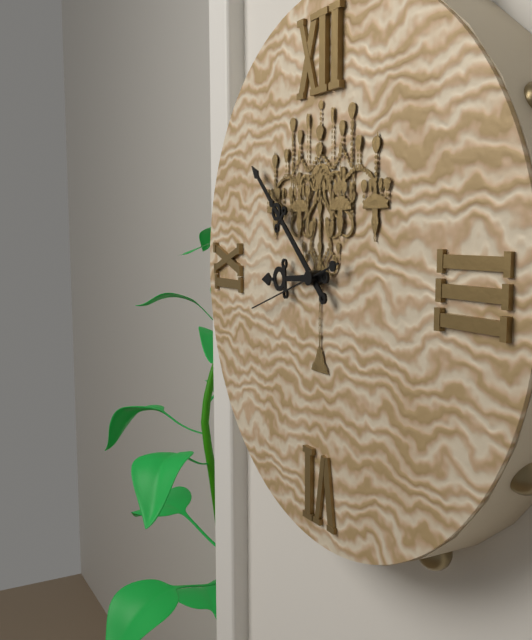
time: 8:52:42
